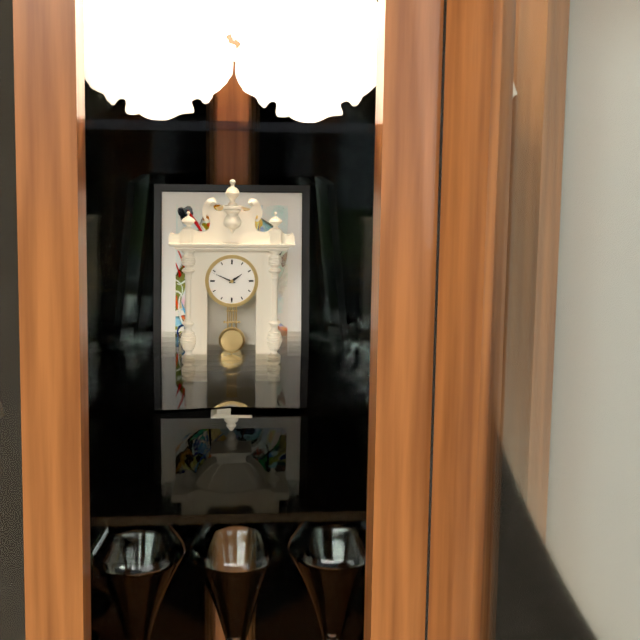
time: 1:49
